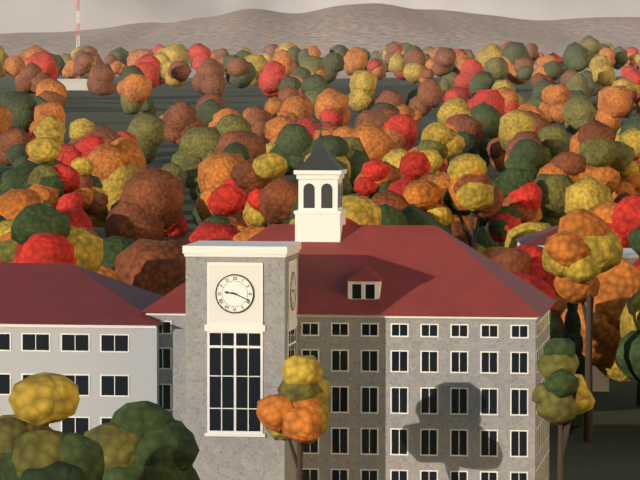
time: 9:19
